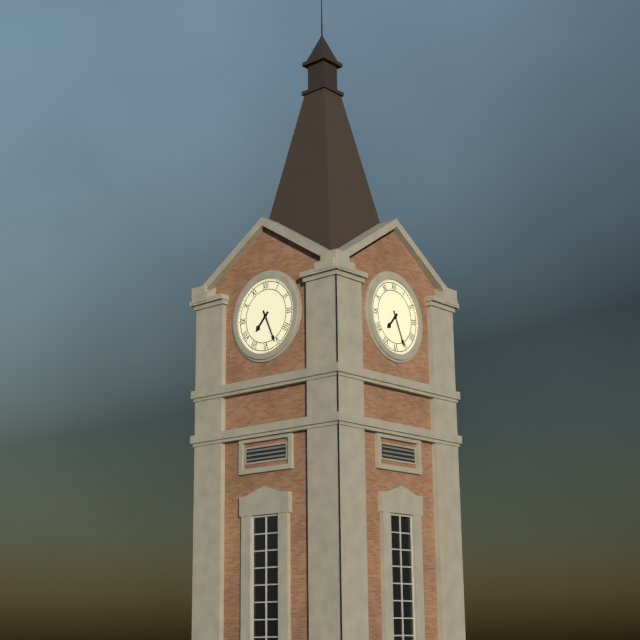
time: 7:26
